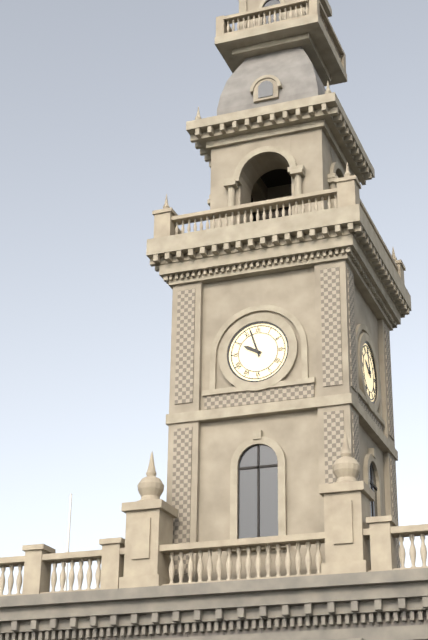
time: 9:57
